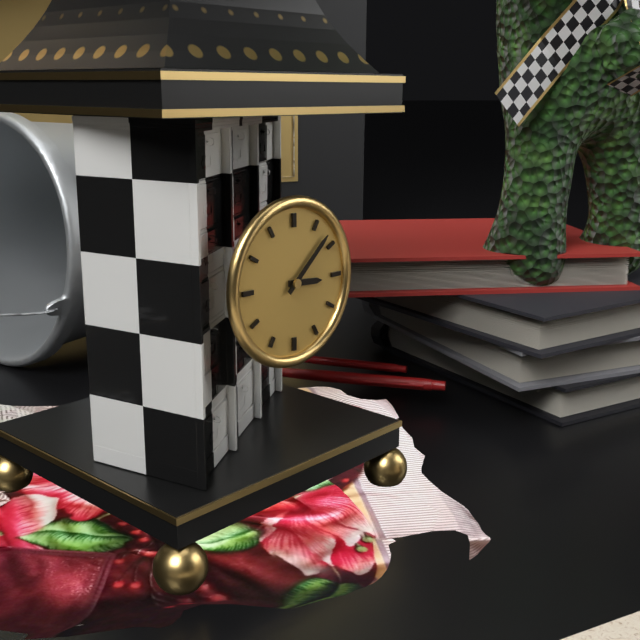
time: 3:08
